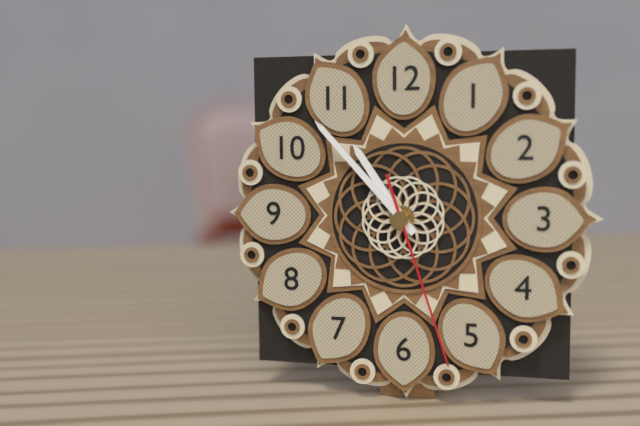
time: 10:53:27
